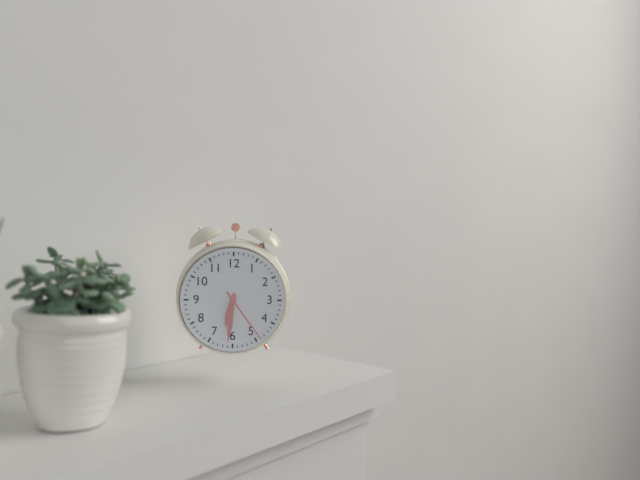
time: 6:31:24
